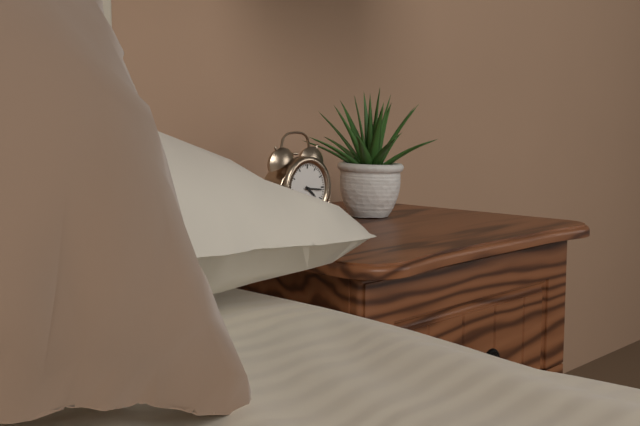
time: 4:16
